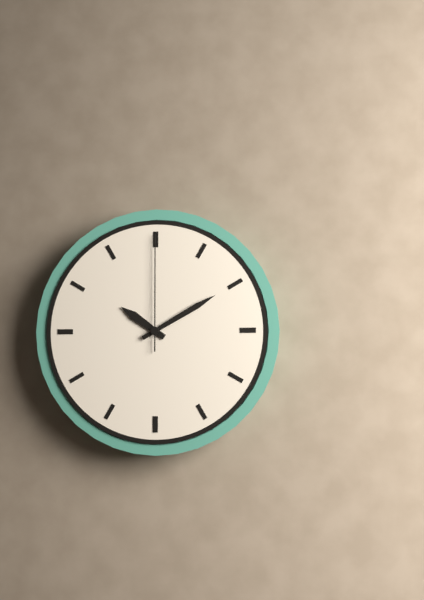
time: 10:10:00
